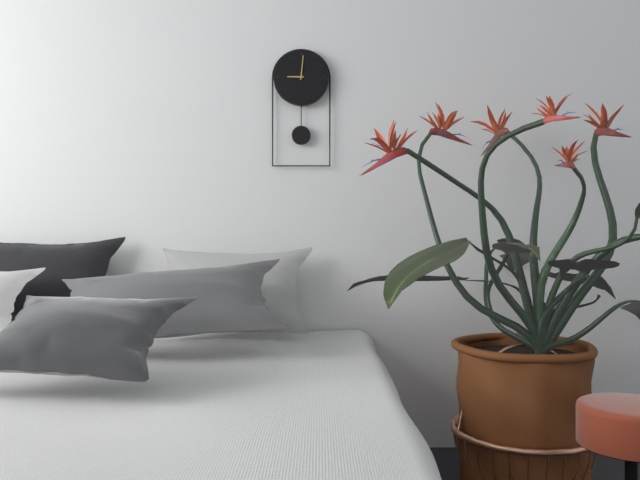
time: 9:01
